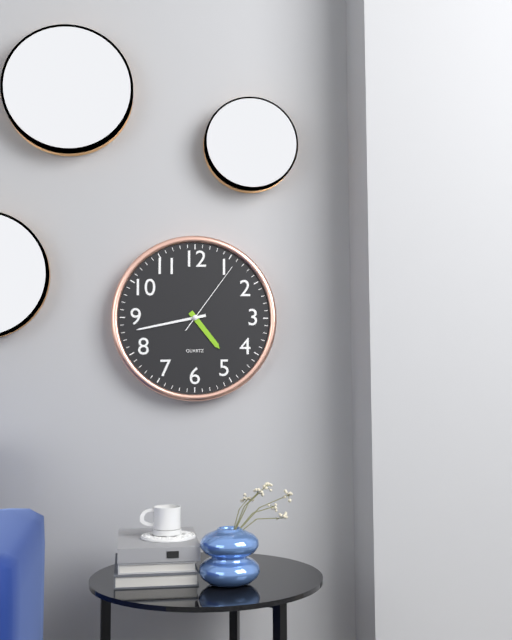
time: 4:43:06
